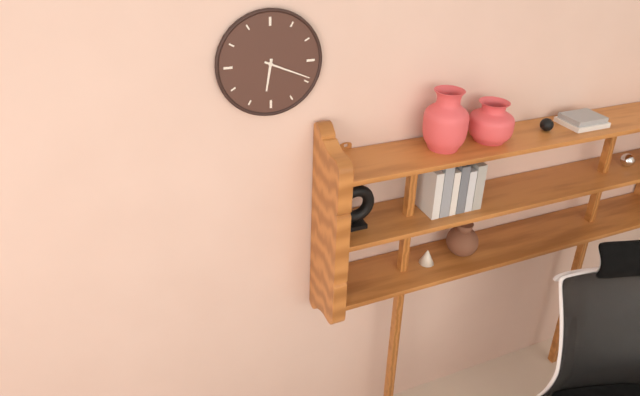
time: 6:19
